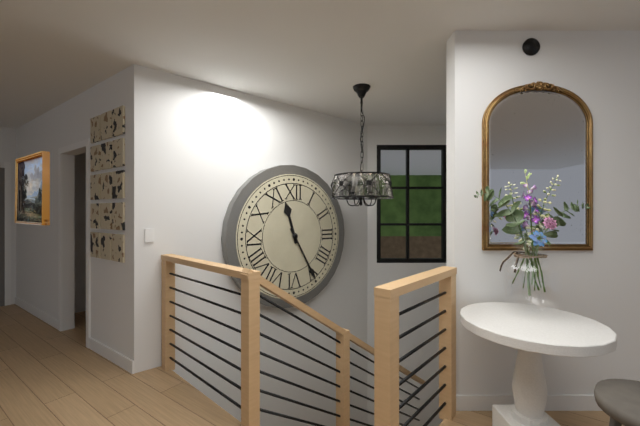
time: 11:25
